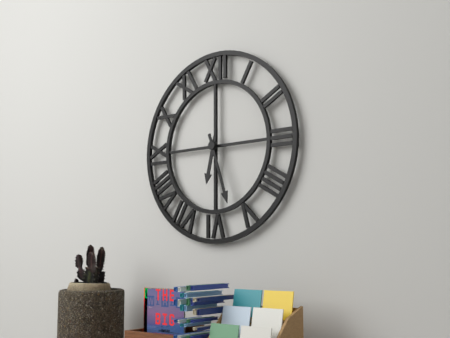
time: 6:27
